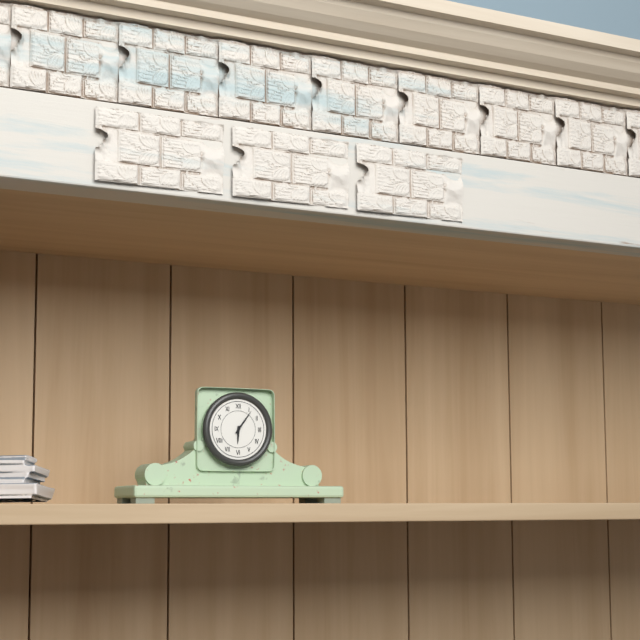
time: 6:06
